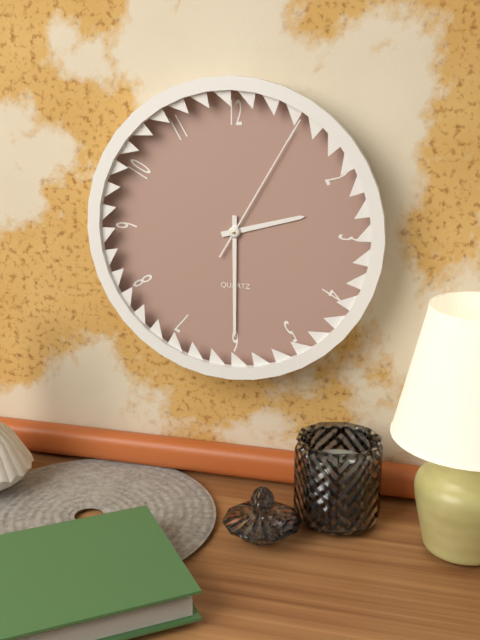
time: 2:30:05
